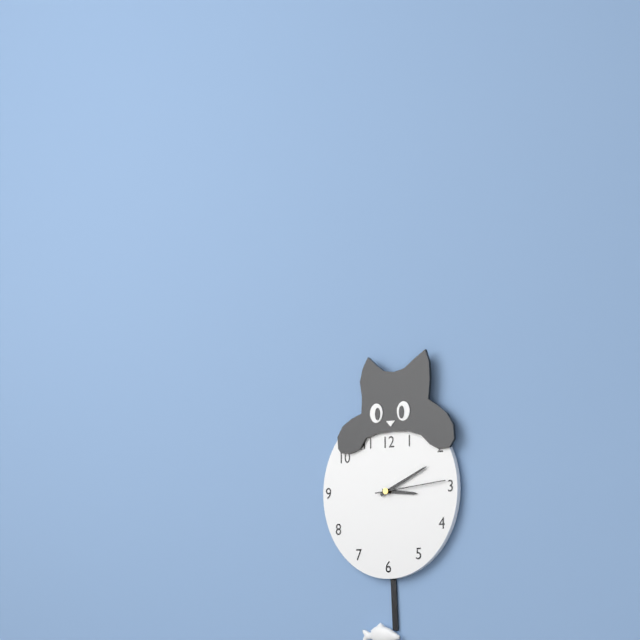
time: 3:11:14
